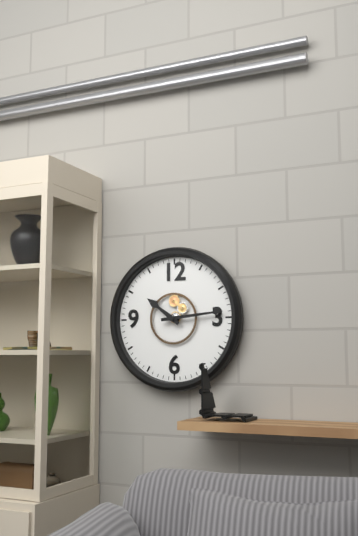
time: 10:14
